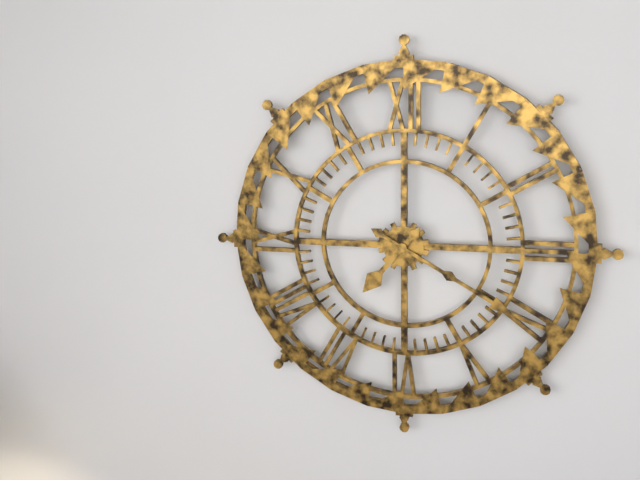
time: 7:20
